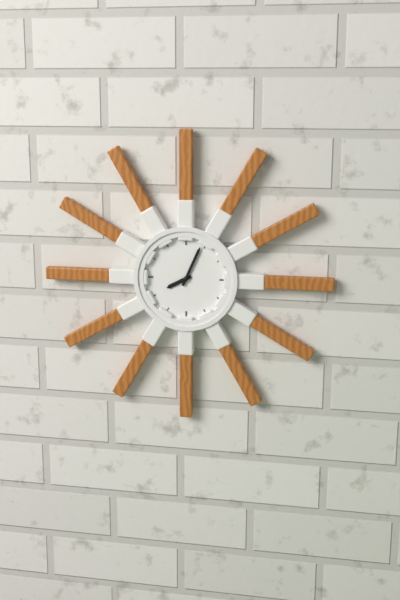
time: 8:04
